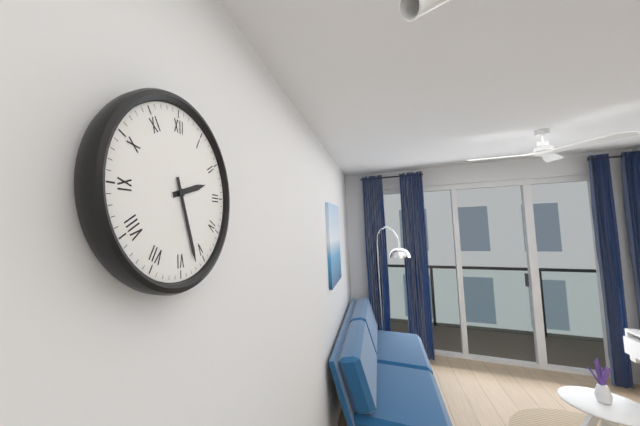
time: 2:27
